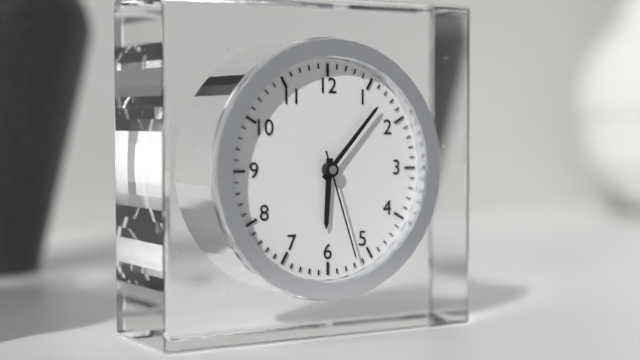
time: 6:07:27
